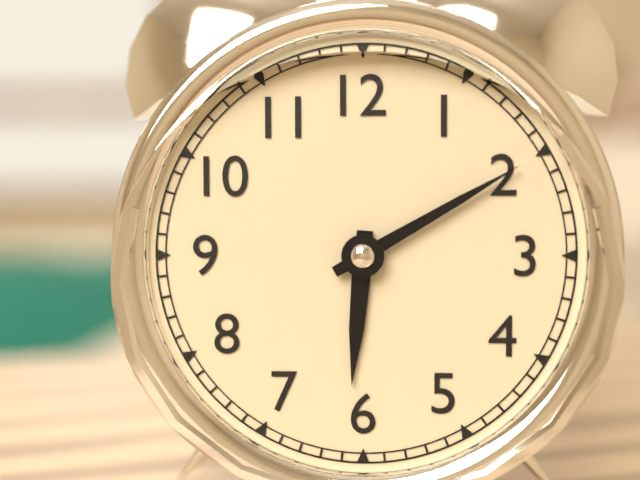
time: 6:10
